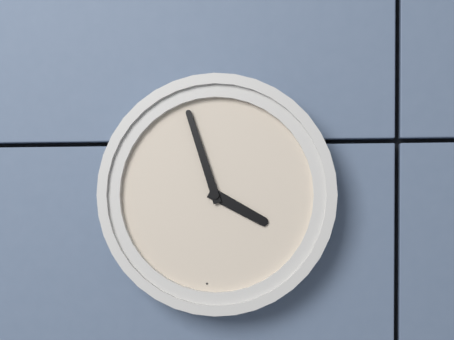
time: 3:57
